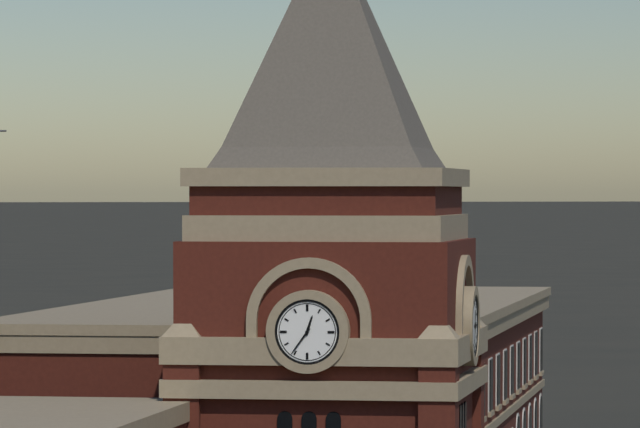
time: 12:36
